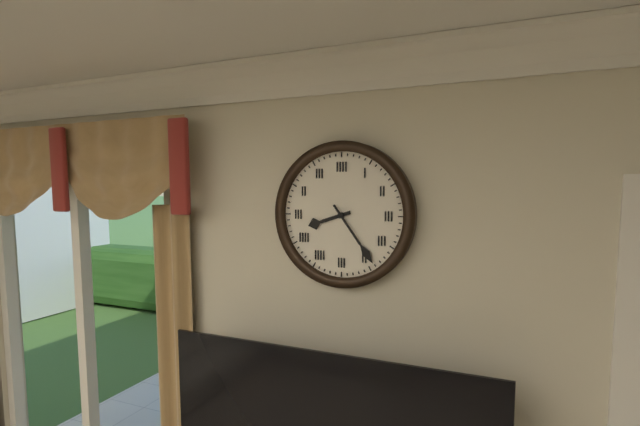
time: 8:24
